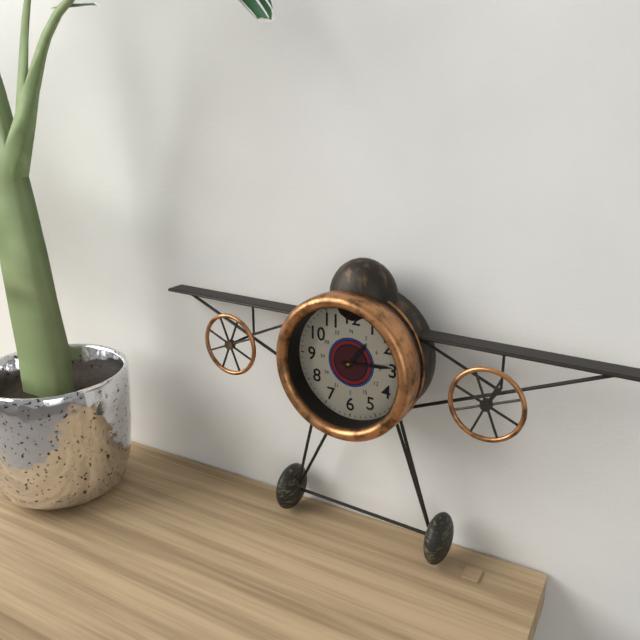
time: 1:14
